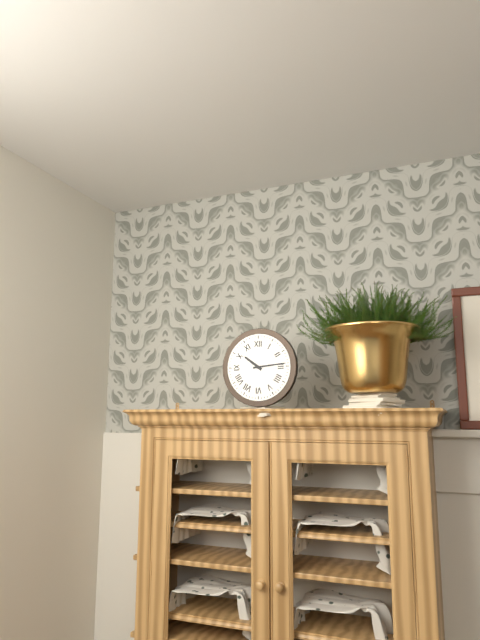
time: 10:14
